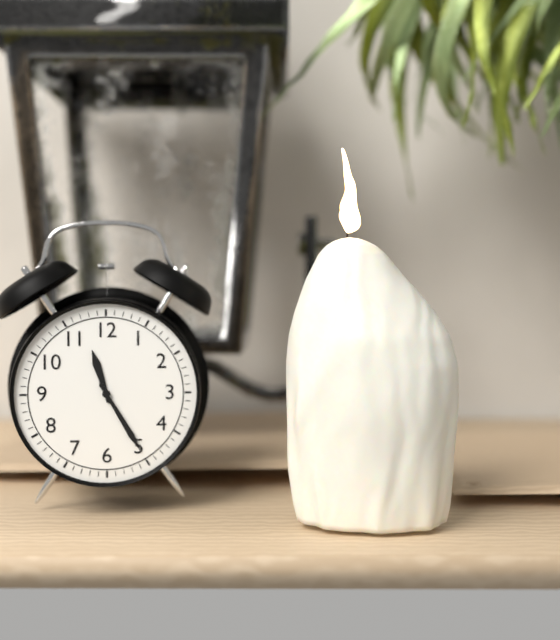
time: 11:25
